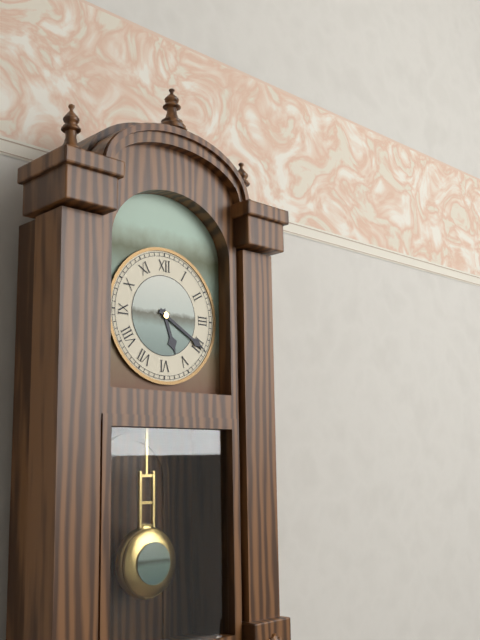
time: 5:20
